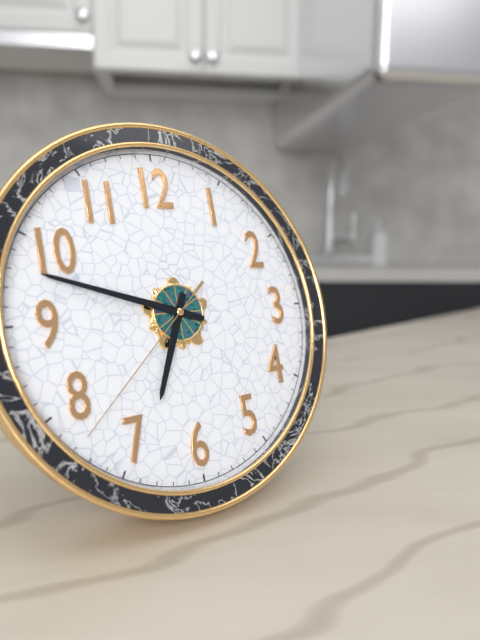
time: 6:48:38
